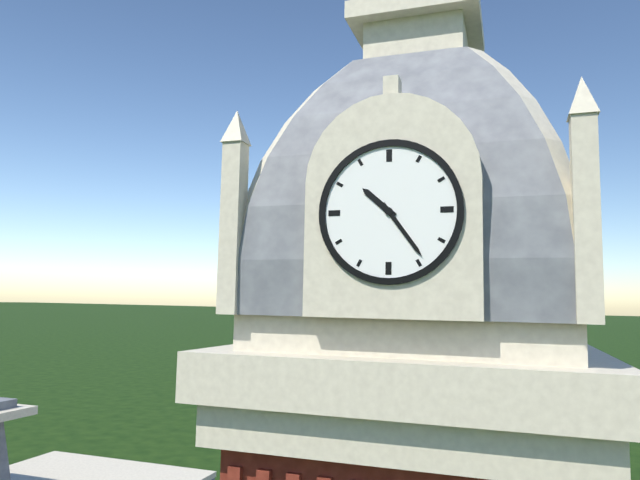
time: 10:24
